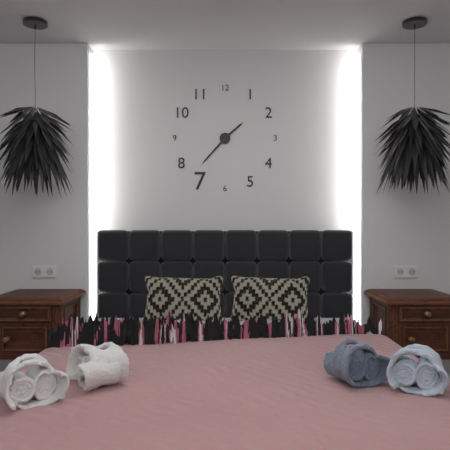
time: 1:37
